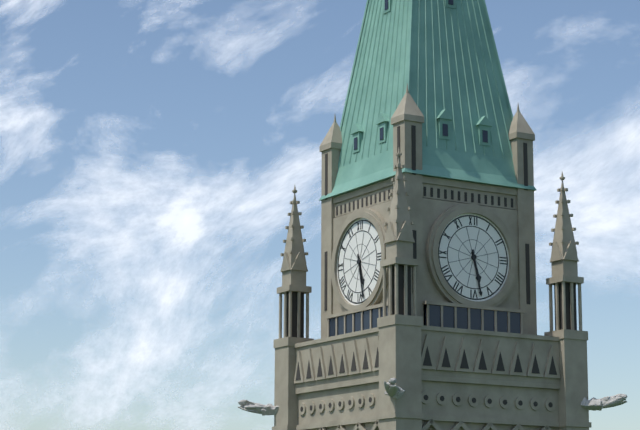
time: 5:28
